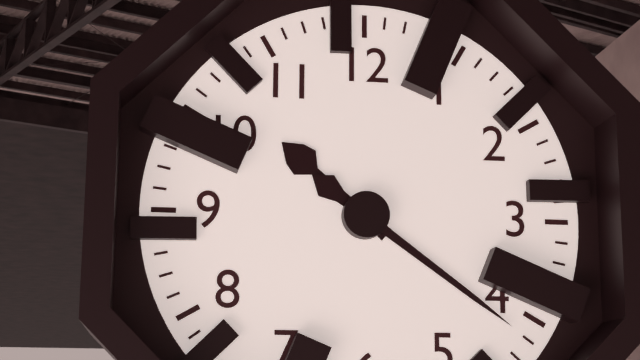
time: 10:21
